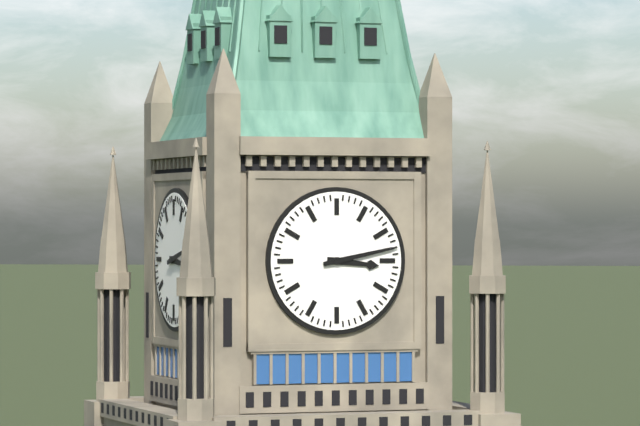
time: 3:13
